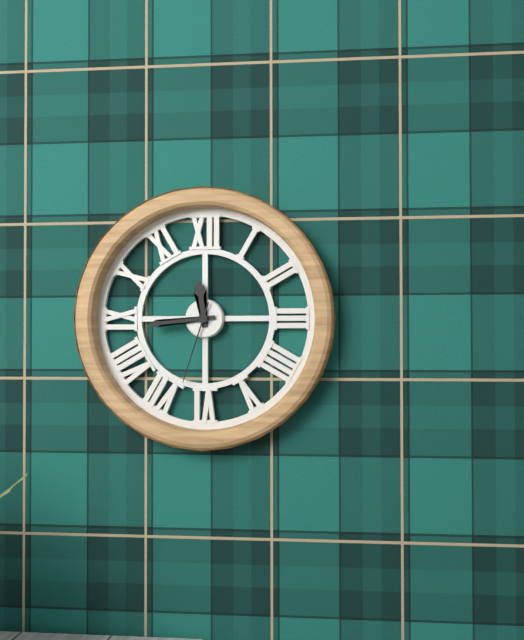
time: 11:44:33
